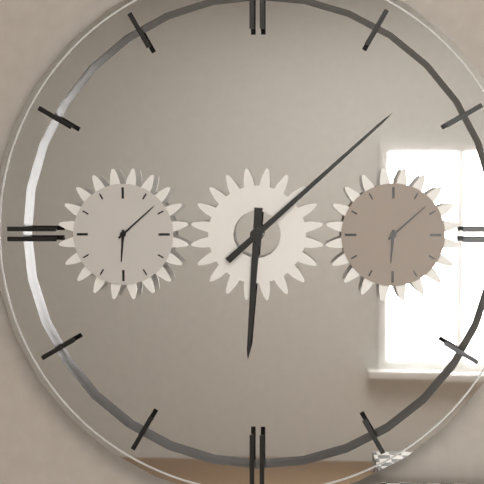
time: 6:08
